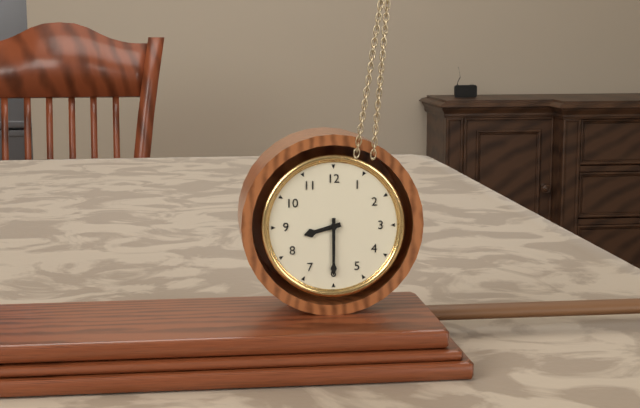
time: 8:30
